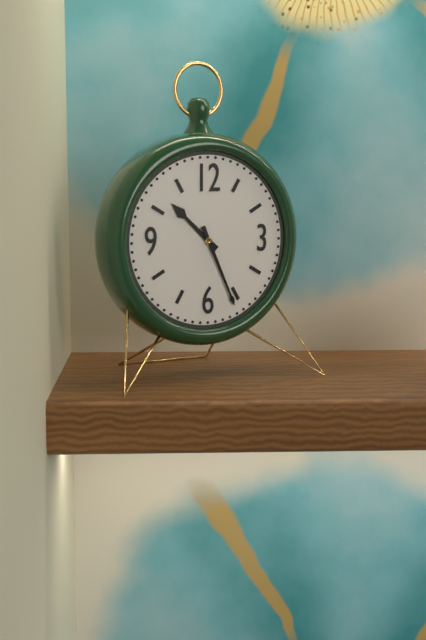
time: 10:26
